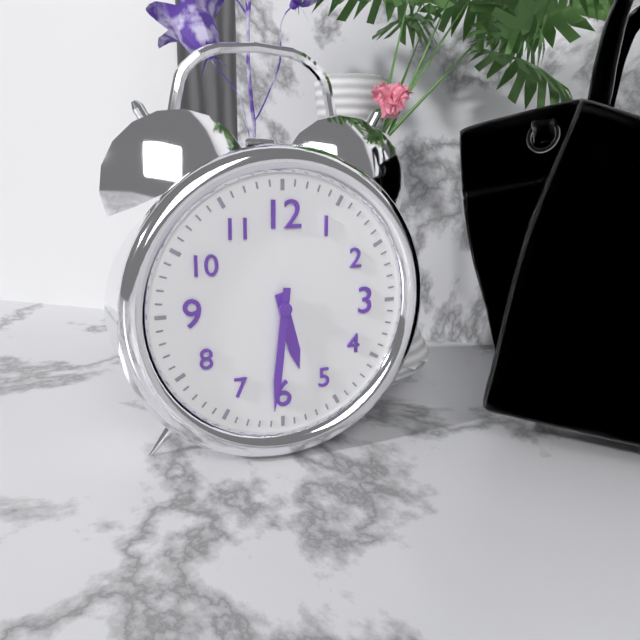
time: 5:31
